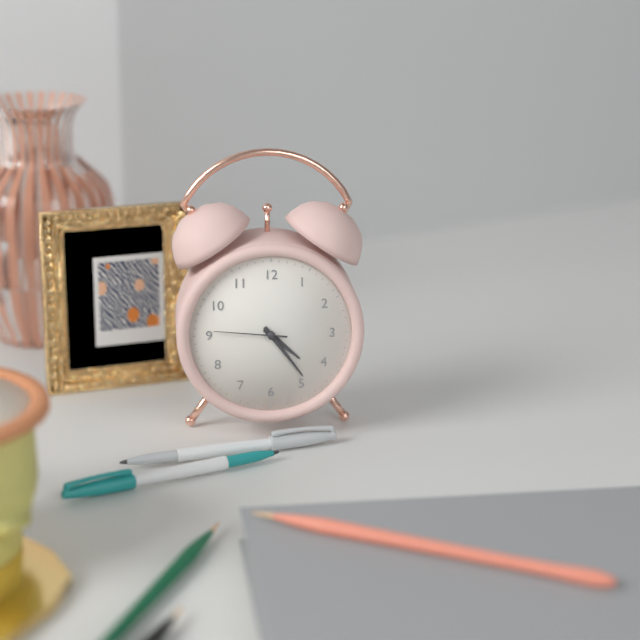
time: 4:24:46
